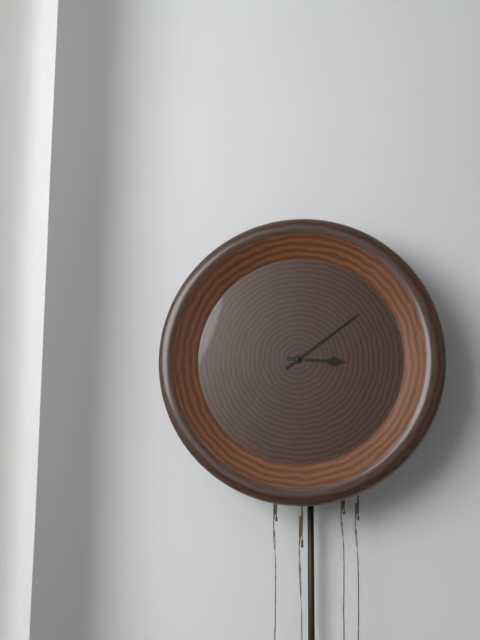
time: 3:09
